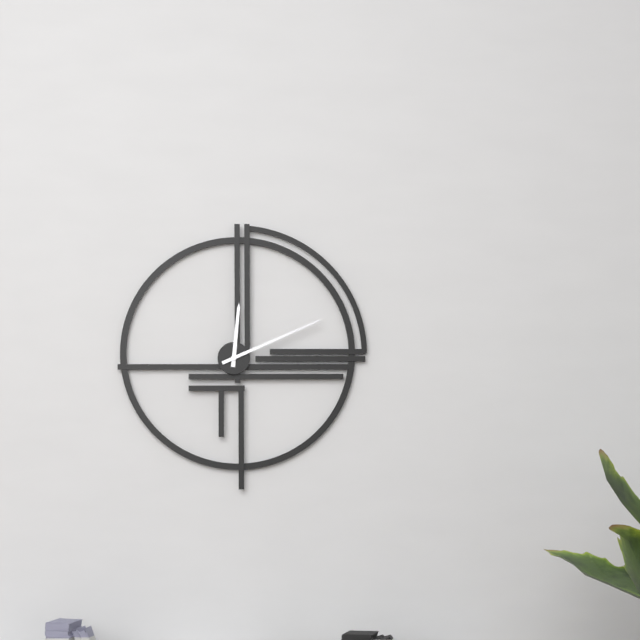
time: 12:11
